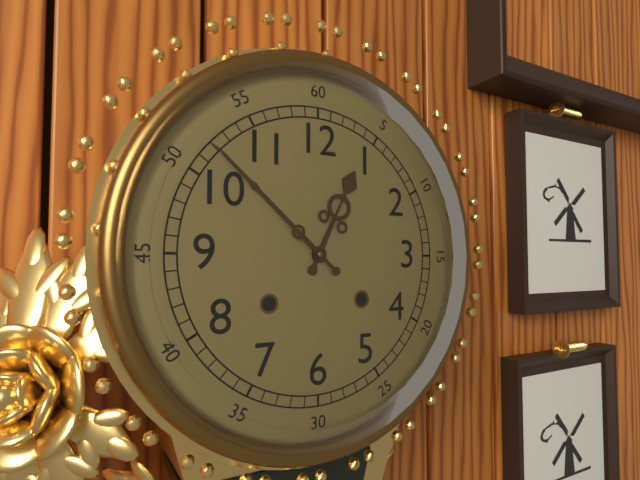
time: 12:52
